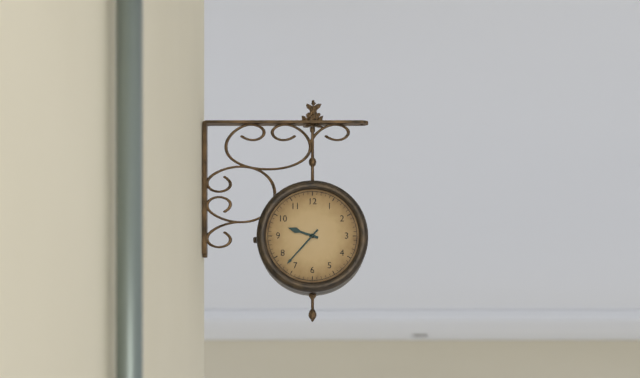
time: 9:37
